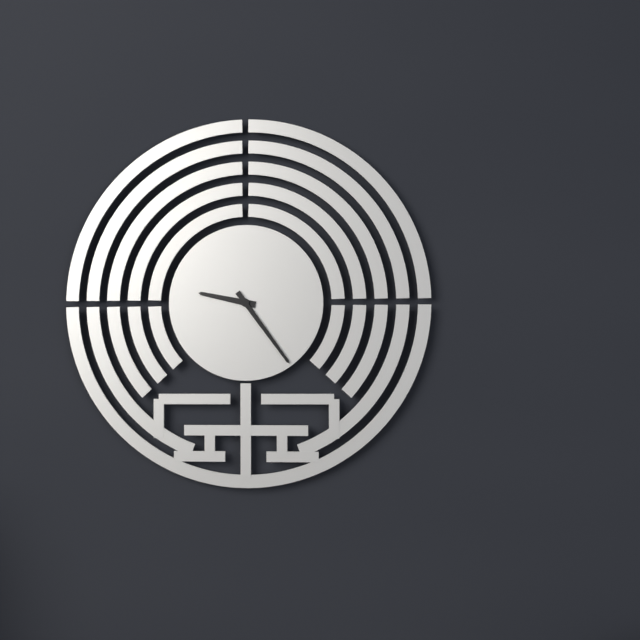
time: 9:24
